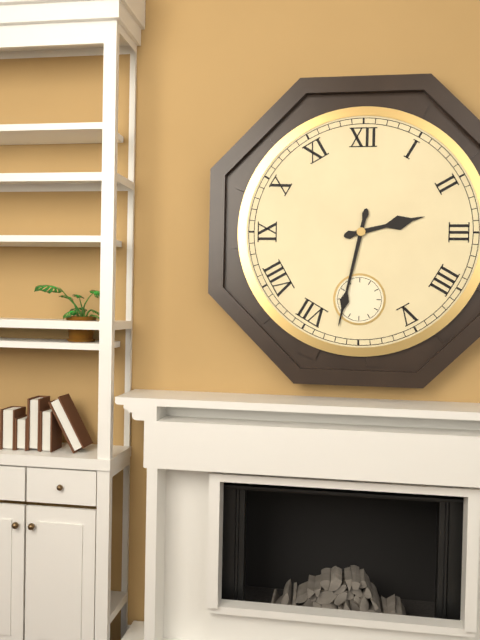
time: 2:32
